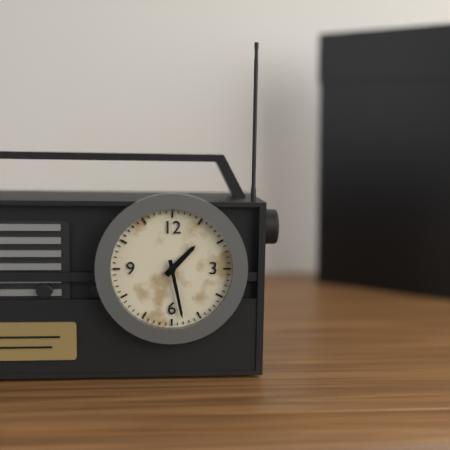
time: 1:28
